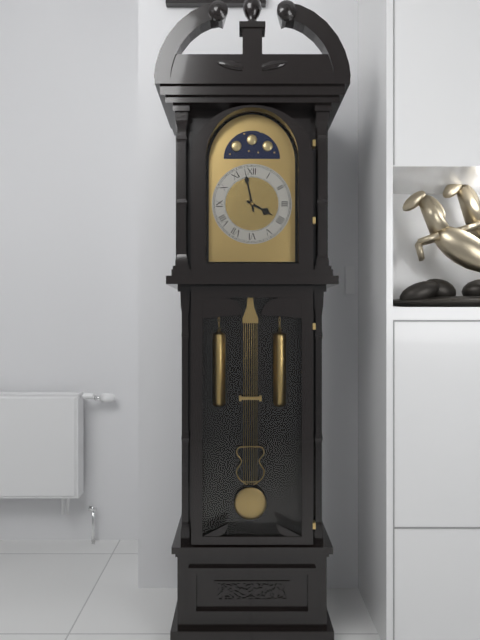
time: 3:58
